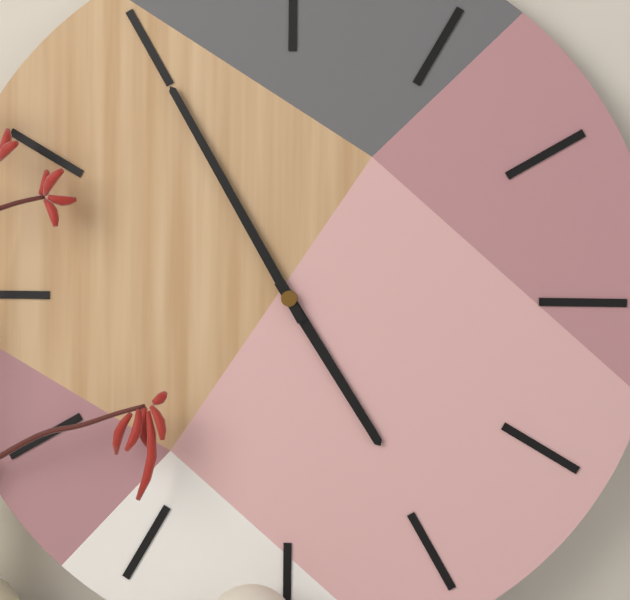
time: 4:55
